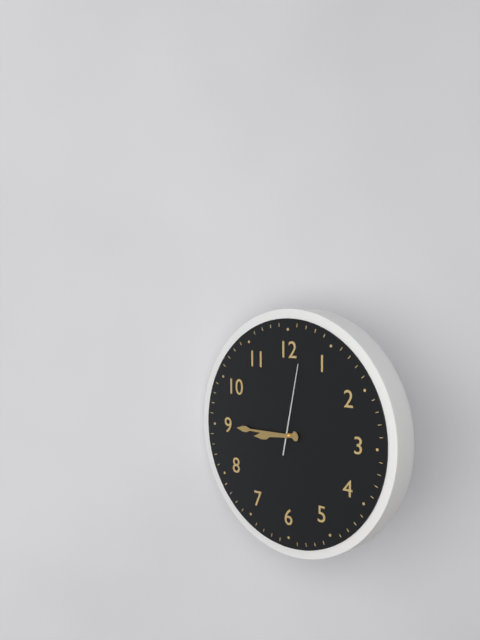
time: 8:45:02
